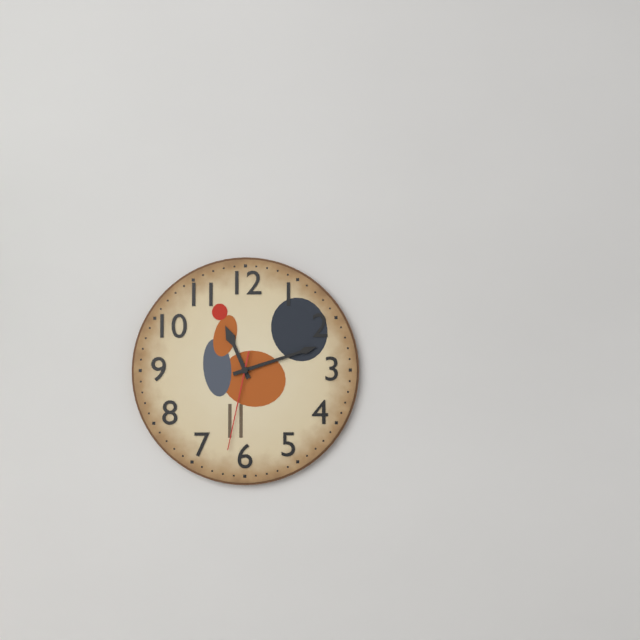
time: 11:12:32
